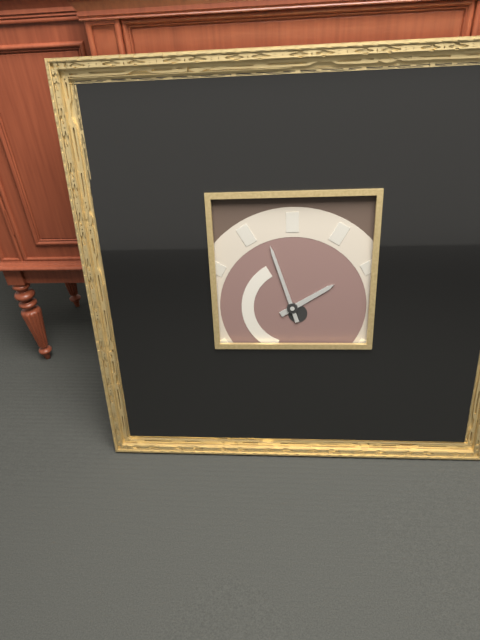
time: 1:57
